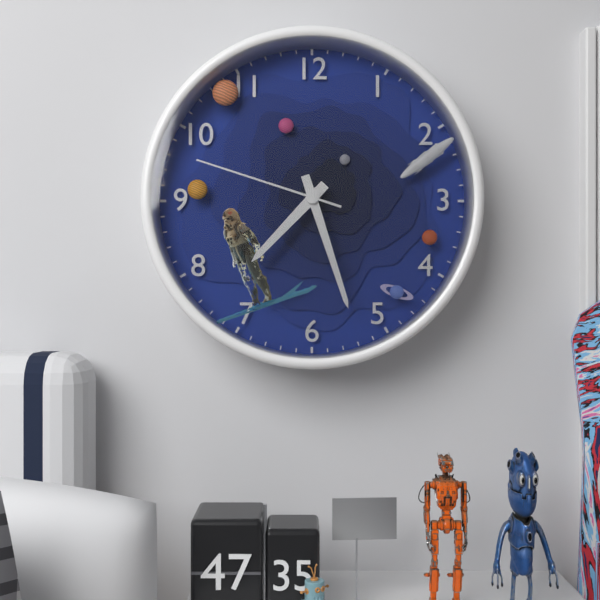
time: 7:27:48
